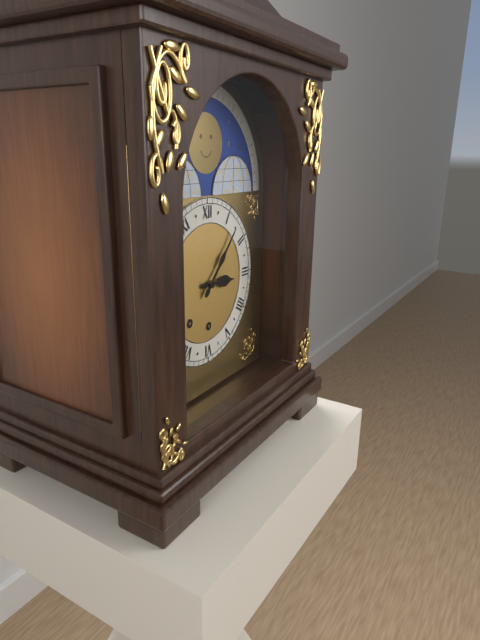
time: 3:07
